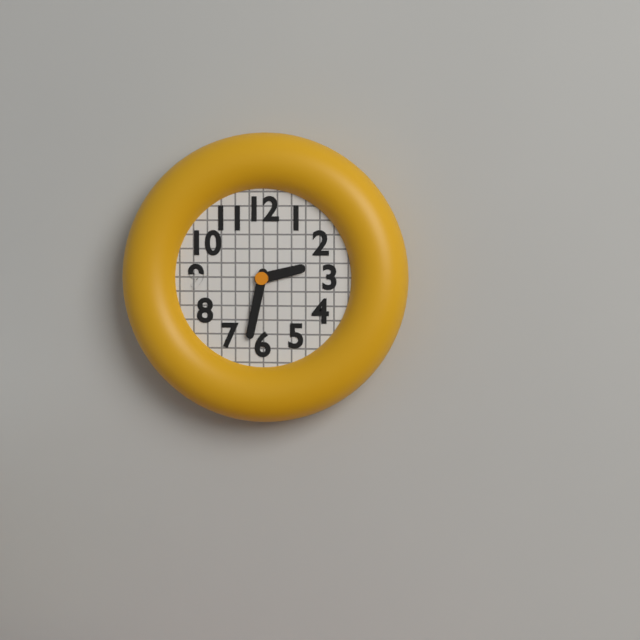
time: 2:32
